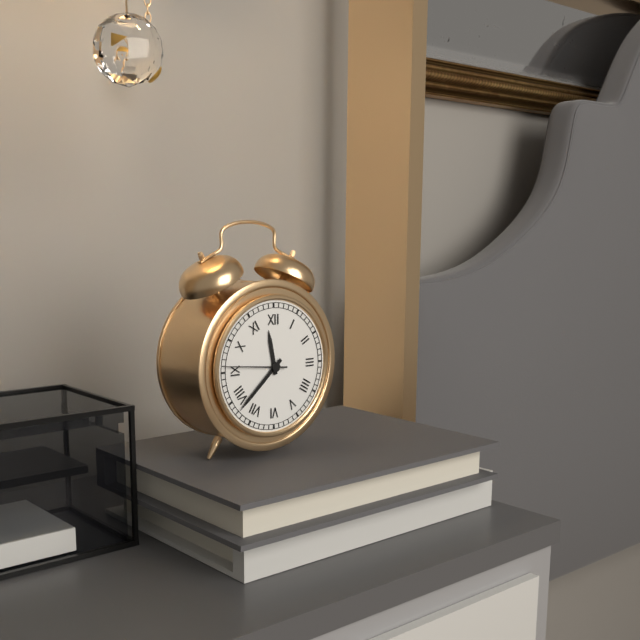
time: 11:38:46
